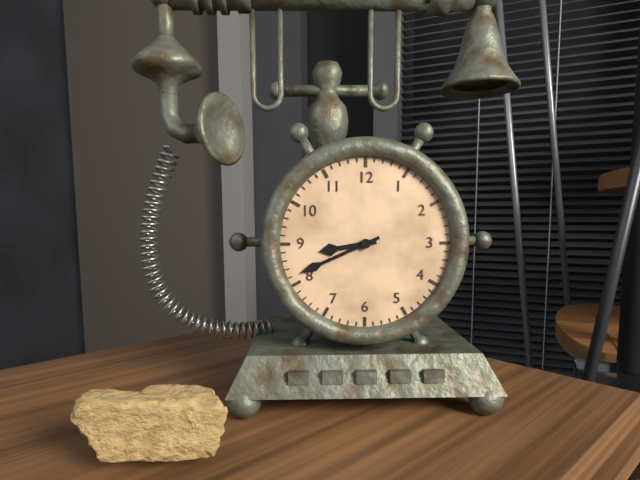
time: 8:41
